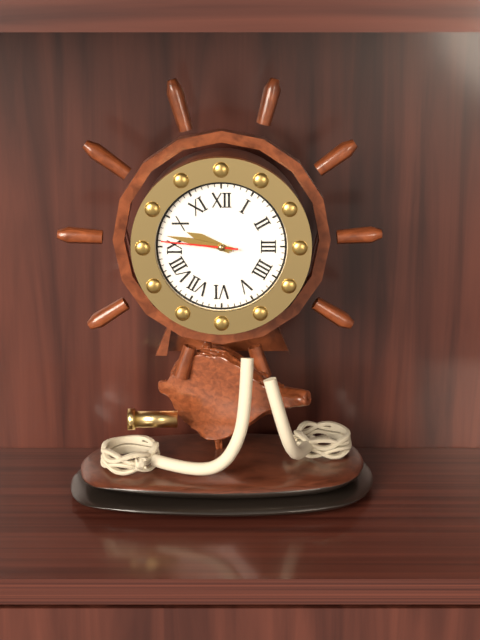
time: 9:47:46
